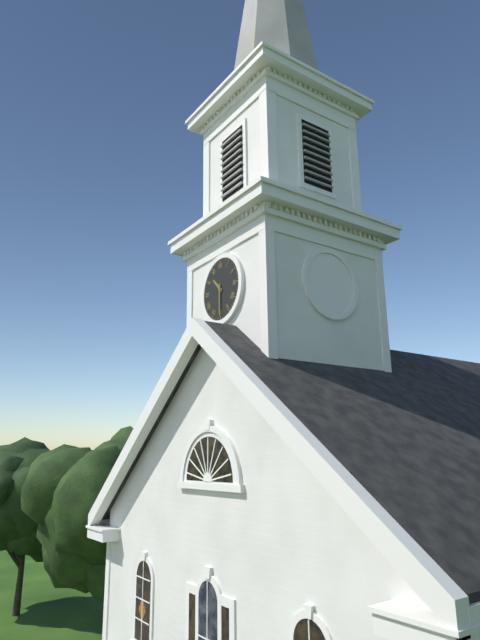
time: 10:30
